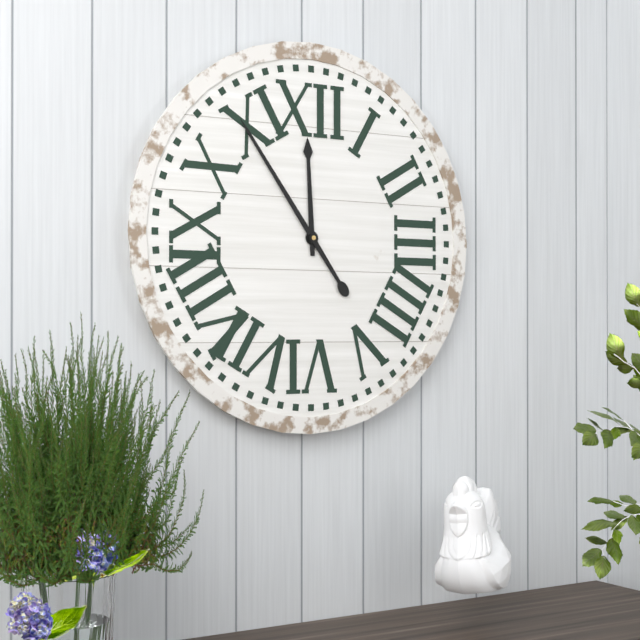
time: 11:54
